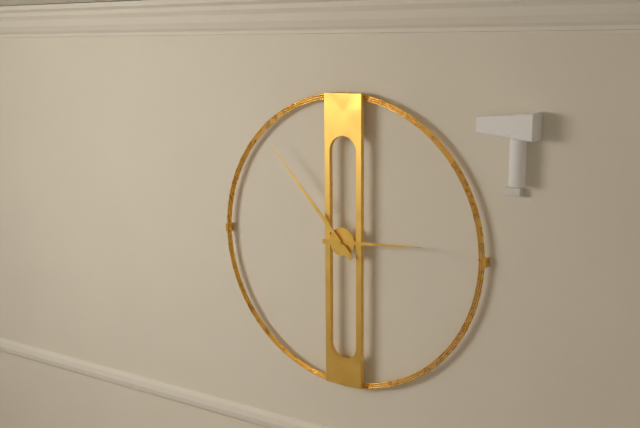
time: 2:53
